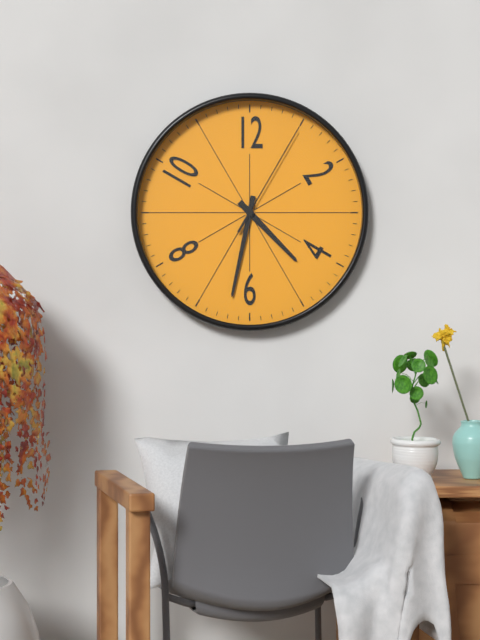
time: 4:32:05
